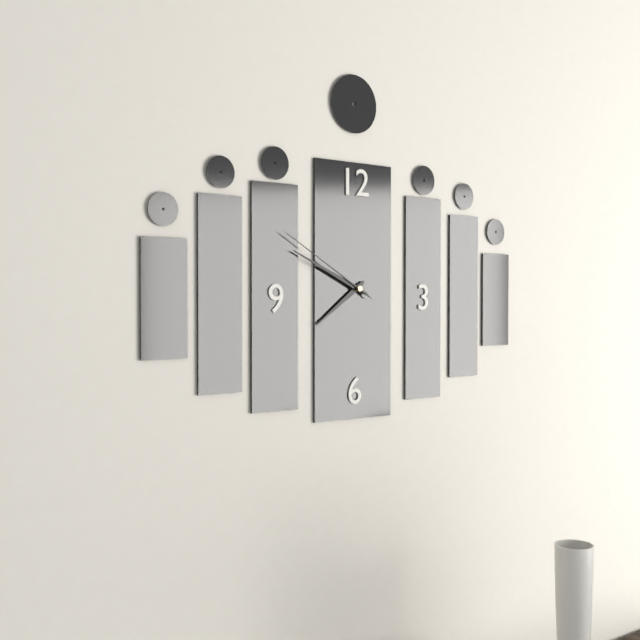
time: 7:49:50
